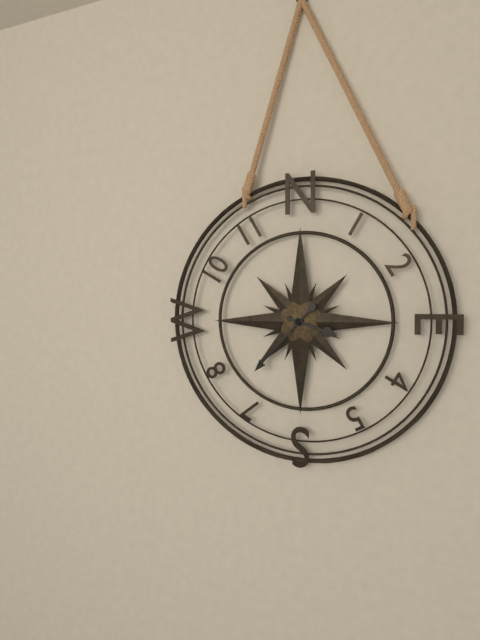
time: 3:37
